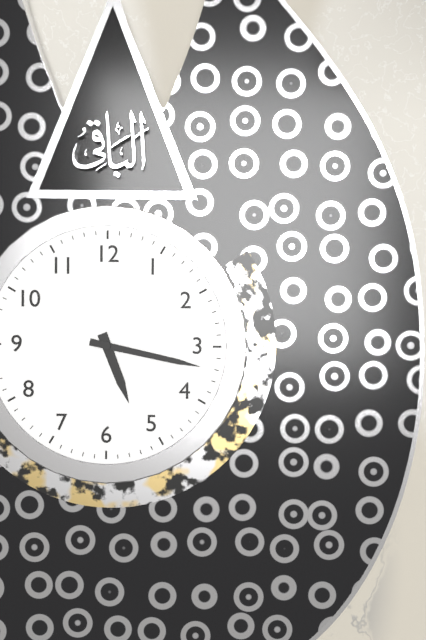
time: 5:17
